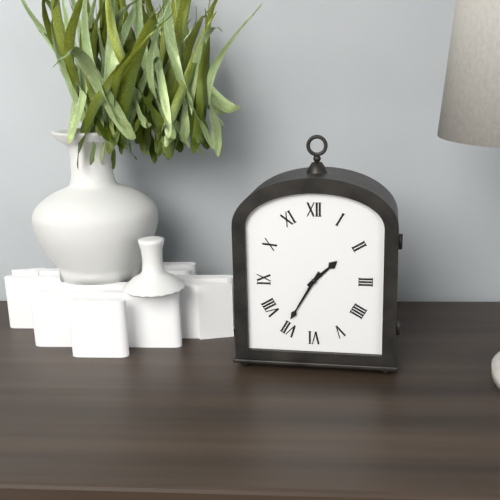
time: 1:35
